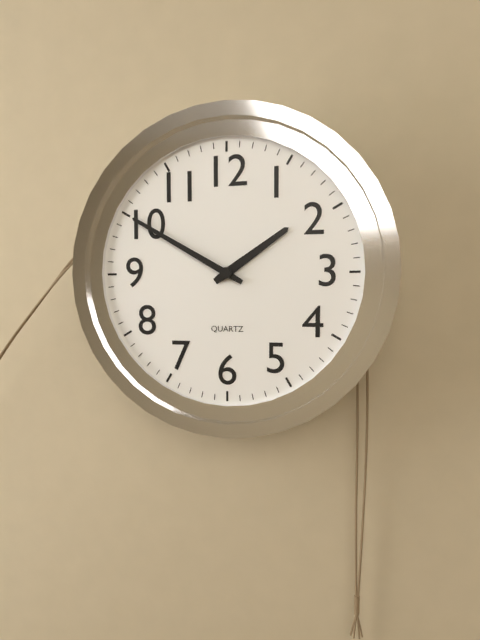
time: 1:50
